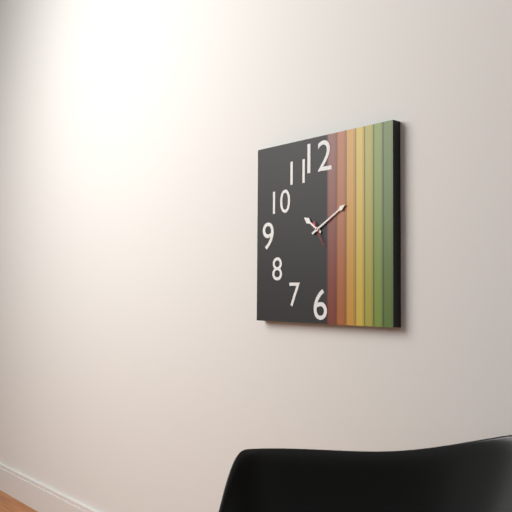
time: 10:10
